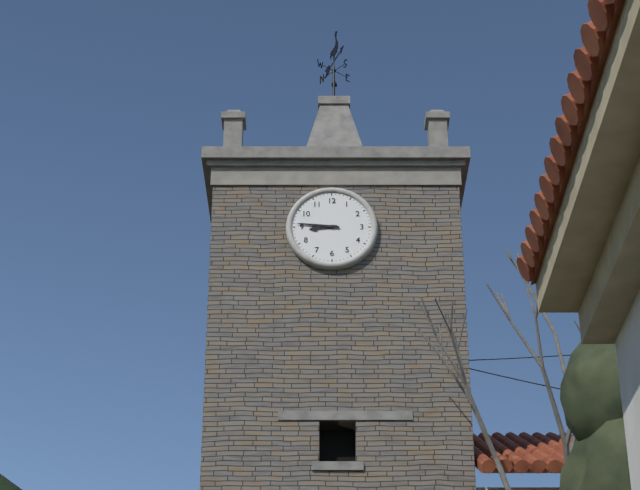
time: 8:46
